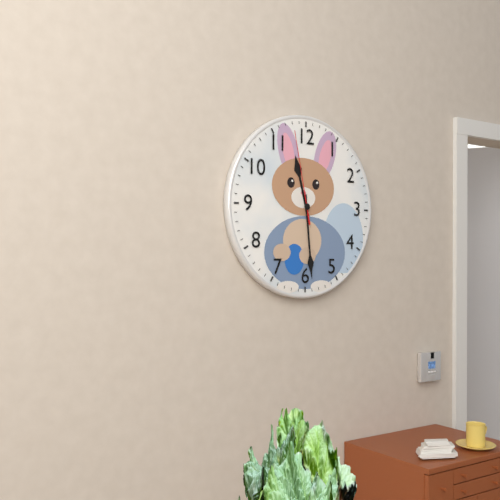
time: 11:29:58
